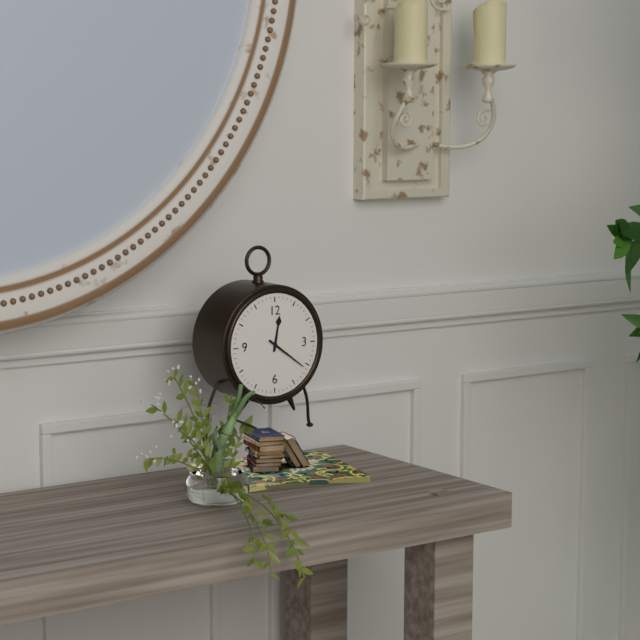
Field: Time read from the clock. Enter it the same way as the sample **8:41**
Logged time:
**12:21**
